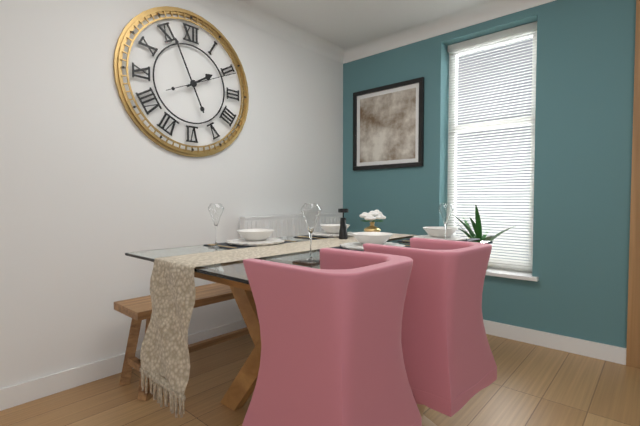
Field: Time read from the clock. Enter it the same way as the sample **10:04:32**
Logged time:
**1:56:11**
